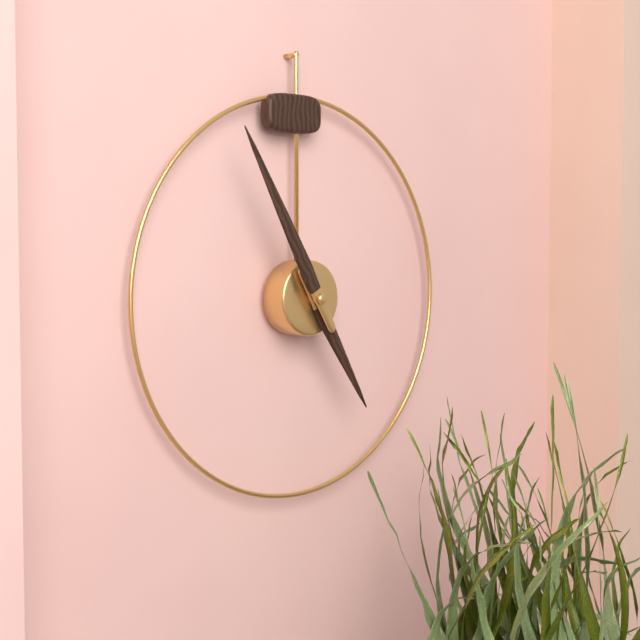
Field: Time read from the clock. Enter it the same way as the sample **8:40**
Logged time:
**4:55**
